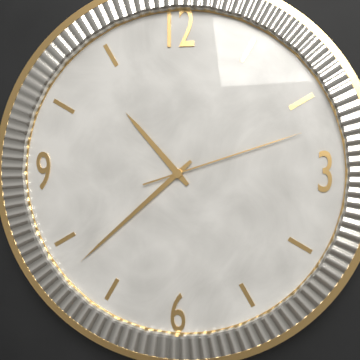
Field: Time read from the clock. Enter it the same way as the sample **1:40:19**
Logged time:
**10:38:12**
